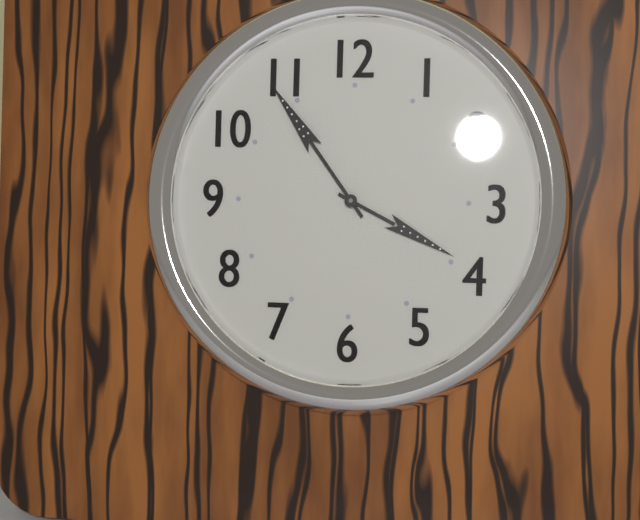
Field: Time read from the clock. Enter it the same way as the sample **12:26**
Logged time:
**3:54**
